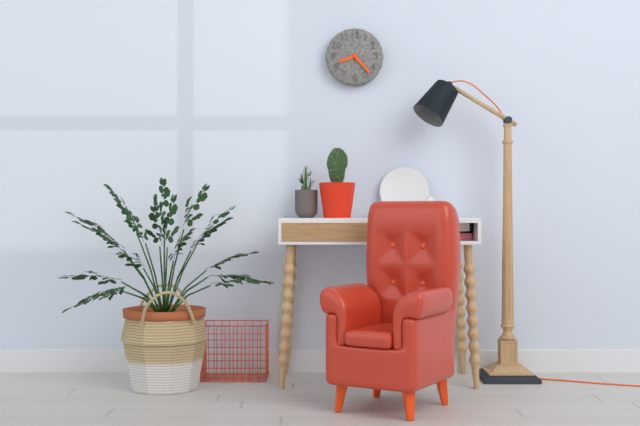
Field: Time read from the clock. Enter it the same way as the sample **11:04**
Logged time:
**8:23**
